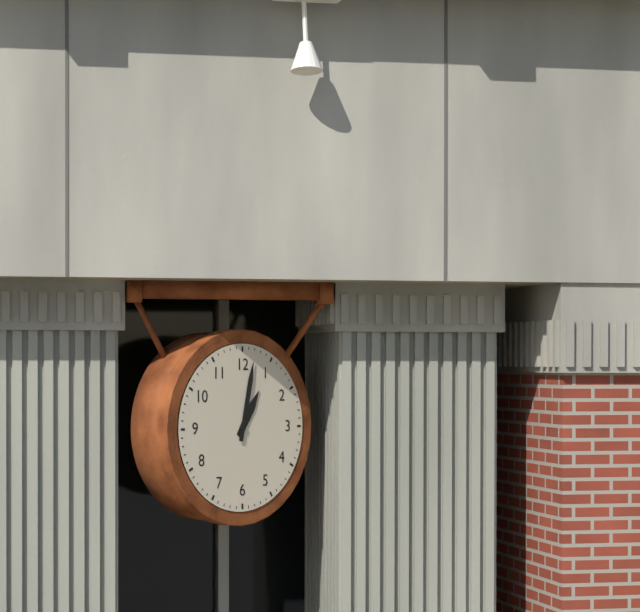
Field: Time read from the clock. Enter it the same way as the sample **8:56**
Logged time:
**1:02**
